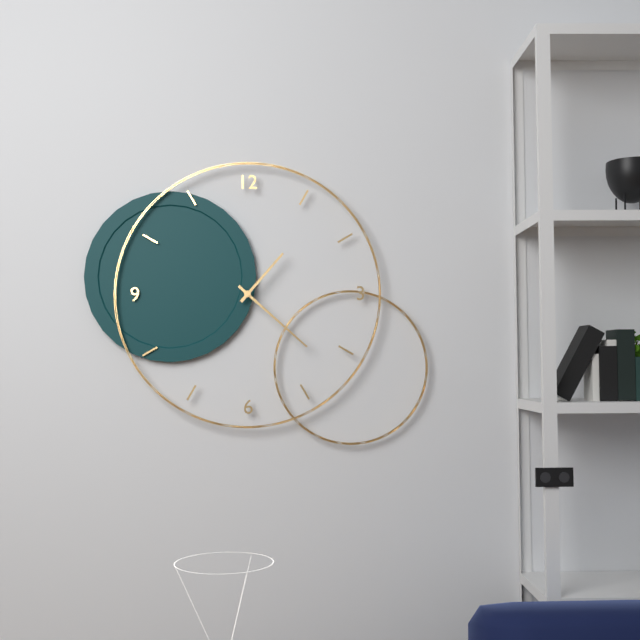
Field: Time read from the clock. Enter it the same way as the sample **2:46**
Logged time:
**1:22**
